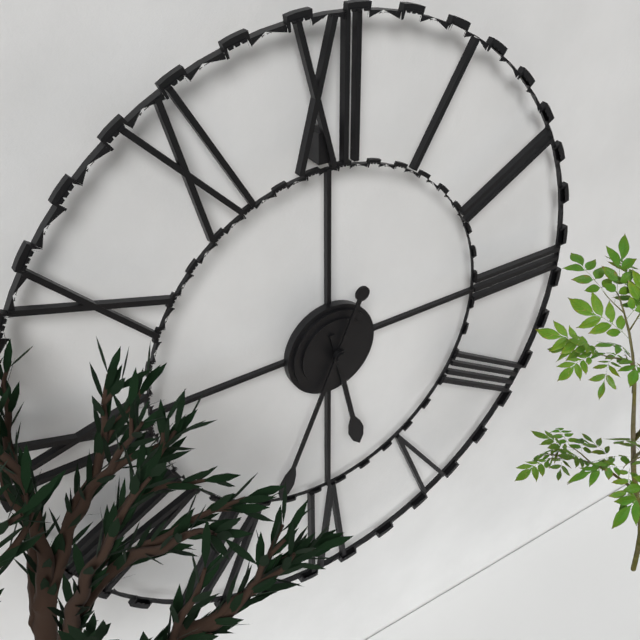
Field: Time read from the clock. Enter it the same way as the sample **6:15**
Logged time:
**5:34**
